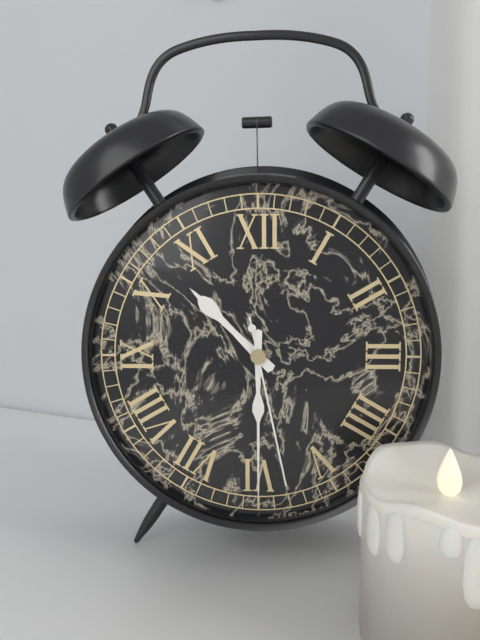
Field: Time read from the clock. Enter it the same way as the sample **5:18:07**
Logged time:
**10:30:28**
